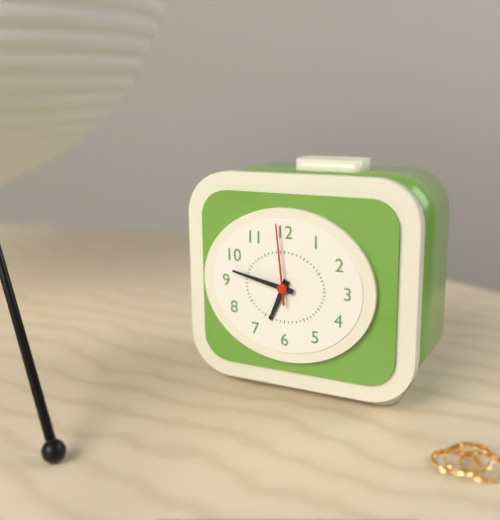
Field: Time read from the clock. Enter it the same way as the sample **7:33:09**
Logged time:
**6:47:59**
